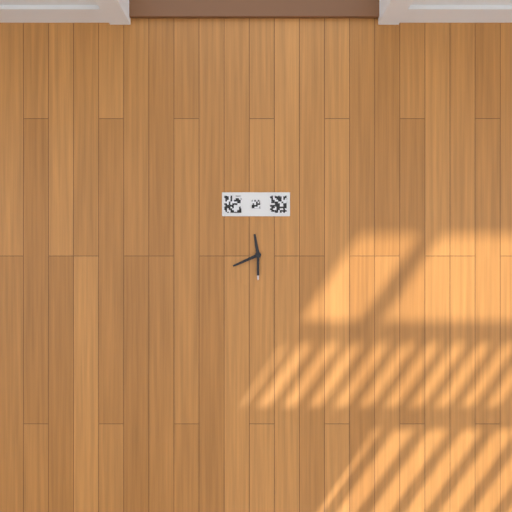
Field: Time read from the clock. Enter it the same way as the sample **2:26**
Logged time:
**11:41**
